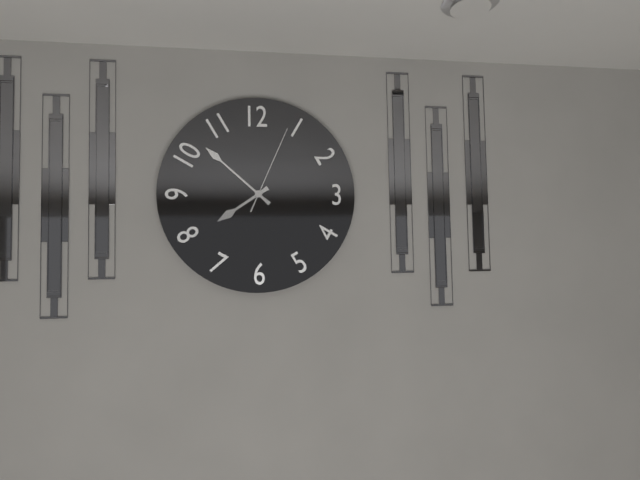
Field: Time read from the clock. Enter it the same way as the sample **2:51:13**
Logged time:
**7:52:04**
